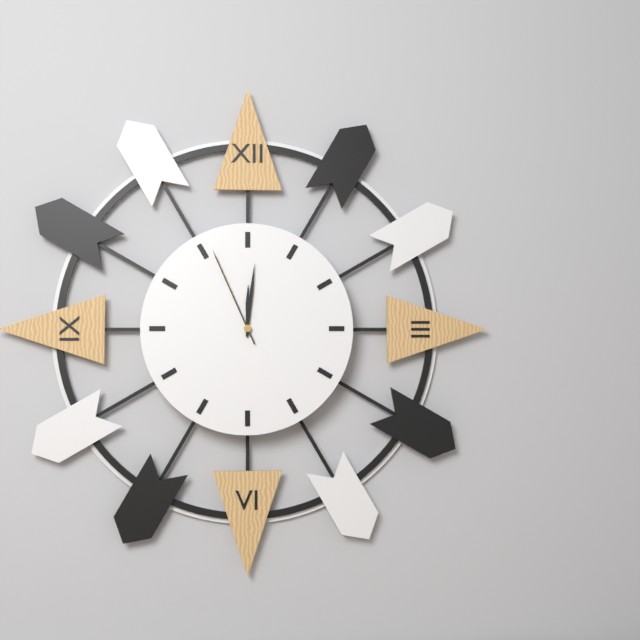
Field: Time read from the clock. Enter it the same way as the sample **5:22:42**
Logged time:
**12:01:56**
